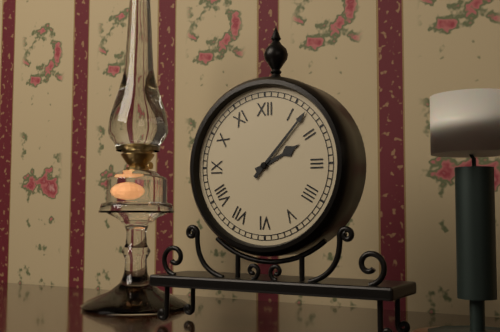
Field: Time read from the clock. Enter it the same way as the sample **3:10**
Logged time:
**2:07**
